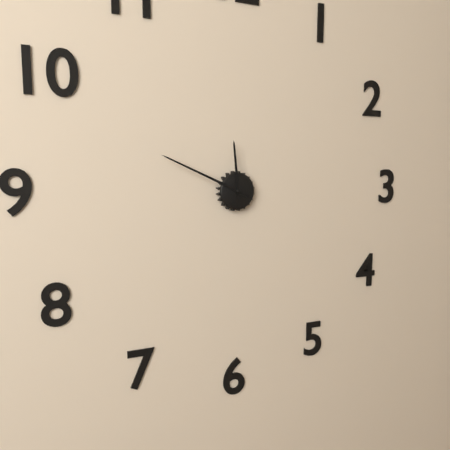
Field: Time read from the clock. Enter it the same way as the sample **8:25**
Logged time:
**11:49**
